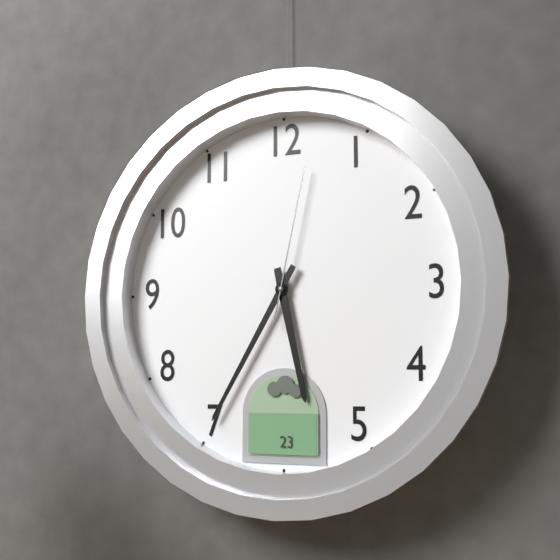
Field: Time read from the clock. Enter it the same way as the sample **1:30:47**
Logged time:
**5:35:02**
